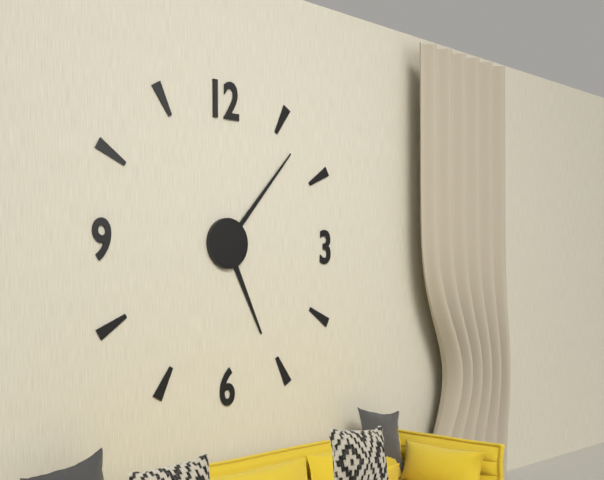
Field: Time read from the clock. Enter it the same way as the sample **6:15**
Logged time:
**5:07**
